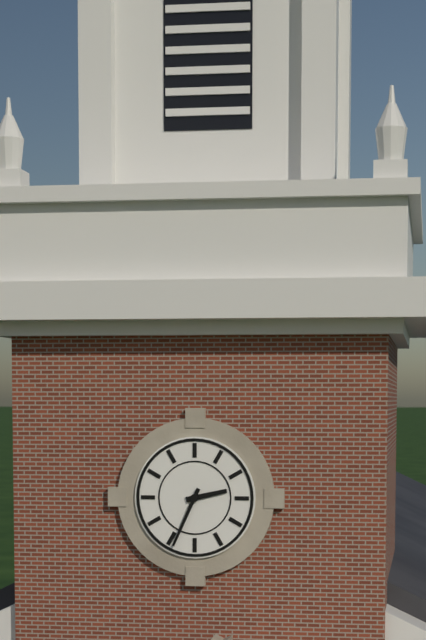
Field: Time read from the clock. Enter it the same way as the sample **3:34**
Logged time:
**2:34**
